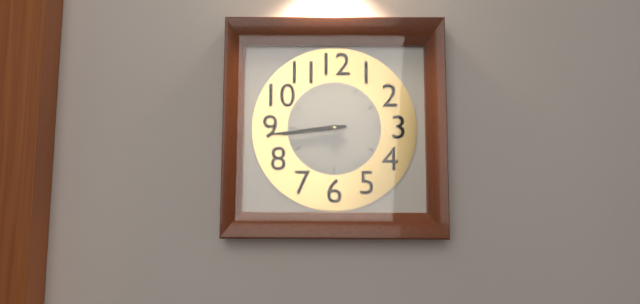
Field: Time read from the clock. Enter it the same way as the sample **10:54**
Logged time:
**8:44**
